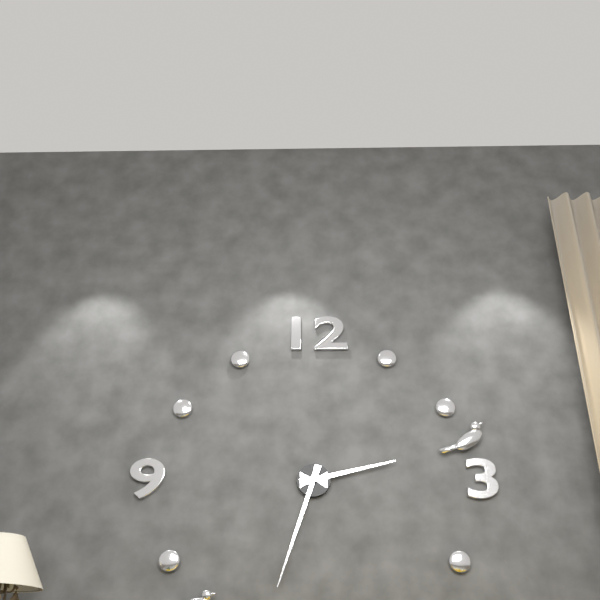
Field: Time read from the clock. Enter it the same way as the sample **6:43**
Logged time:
**2:33**
